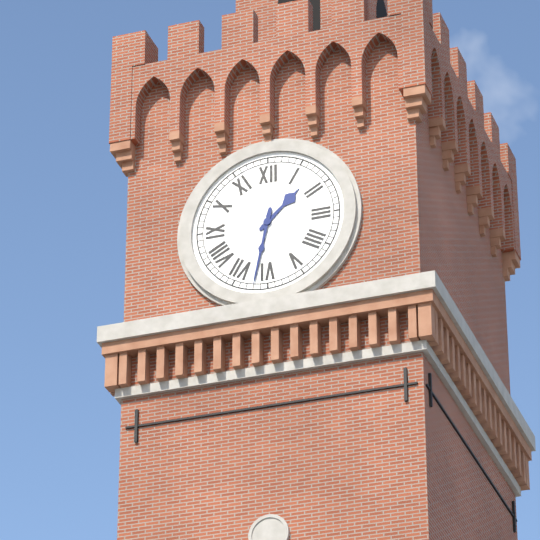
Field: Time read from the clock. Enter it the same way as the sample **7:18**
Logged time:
**1:32**
